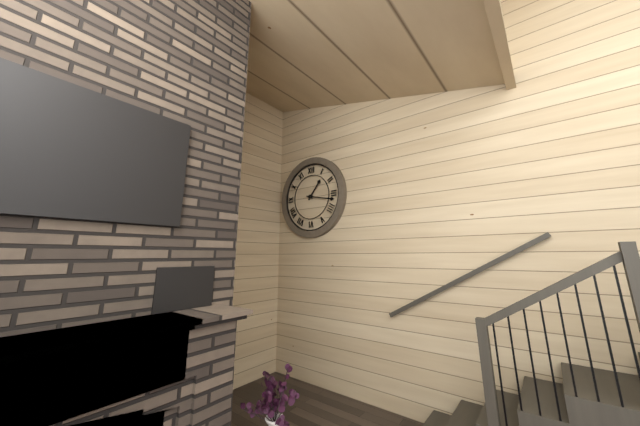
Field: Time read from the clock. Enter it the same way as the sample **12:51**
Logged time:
**1:17**
